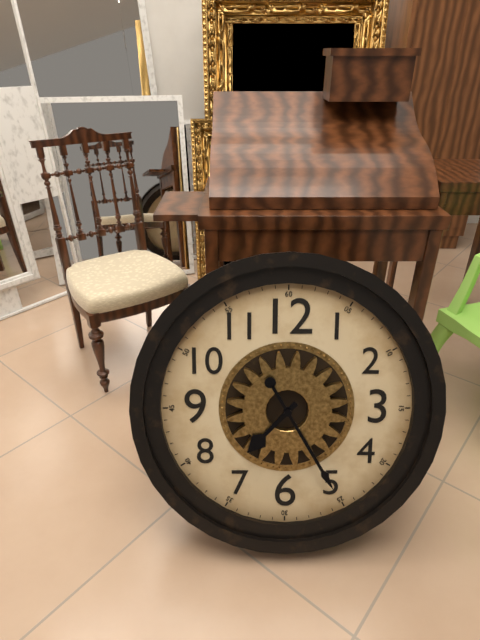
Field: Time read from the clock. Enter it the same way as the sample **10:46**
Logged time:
**7:25**
